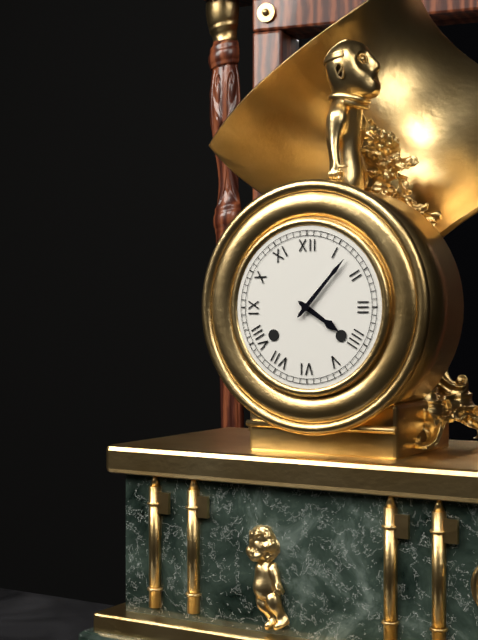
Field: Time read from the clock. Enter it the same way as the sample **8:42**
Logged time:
**4:07**
